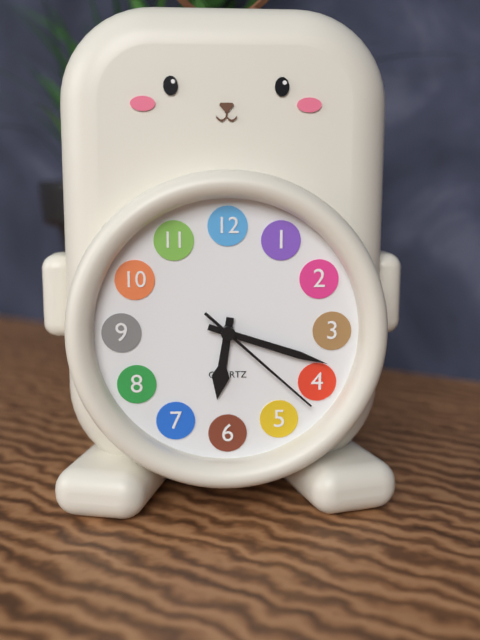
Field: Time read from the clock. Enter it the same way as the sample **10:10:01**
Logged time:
**6:18:22**
